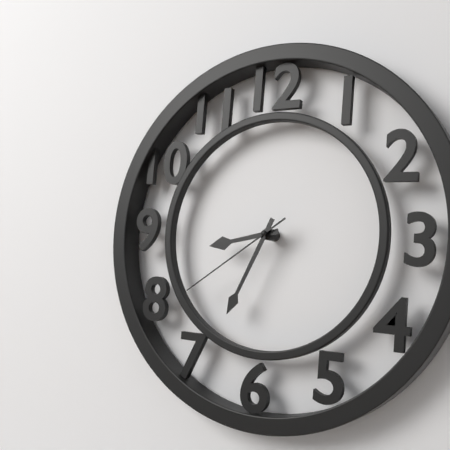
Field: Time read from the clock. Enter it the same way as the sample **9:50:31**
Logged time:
**8:34:39**
